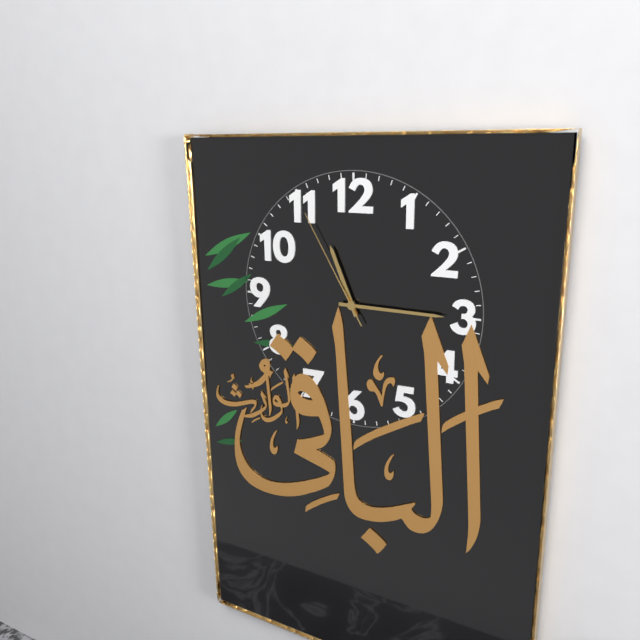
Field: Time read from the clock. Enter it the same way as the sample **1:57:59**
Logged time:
**11:15:55**
